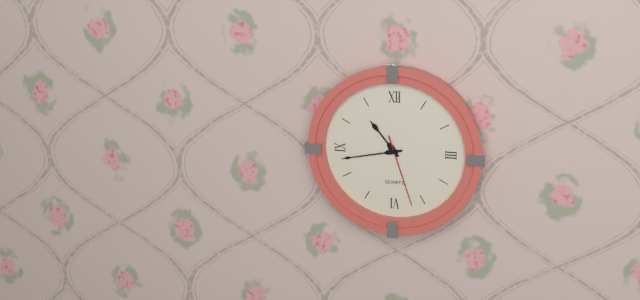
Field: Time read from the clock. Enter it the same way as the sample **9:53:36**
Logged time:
**10:43:27**
